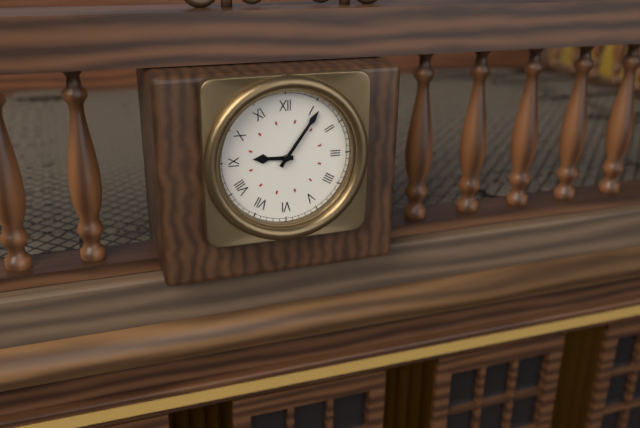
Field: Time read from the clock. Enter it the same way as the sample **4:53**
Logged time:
**9:06**
